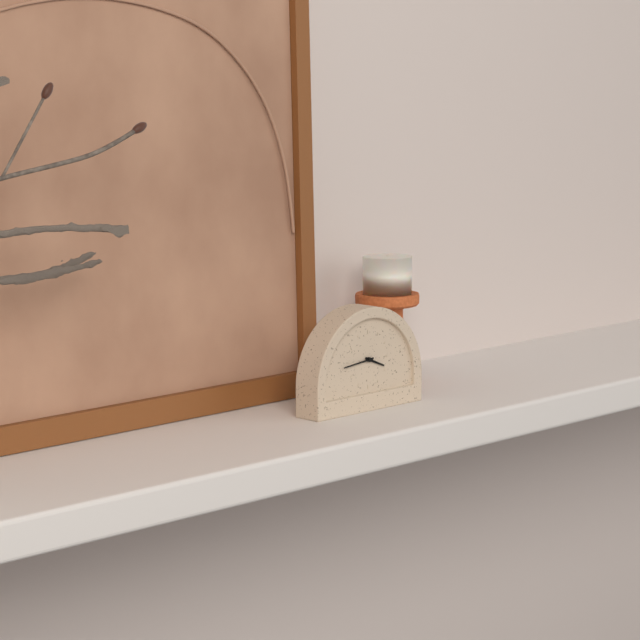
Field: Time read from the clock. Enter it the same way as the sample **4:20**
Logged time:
**3:44**
